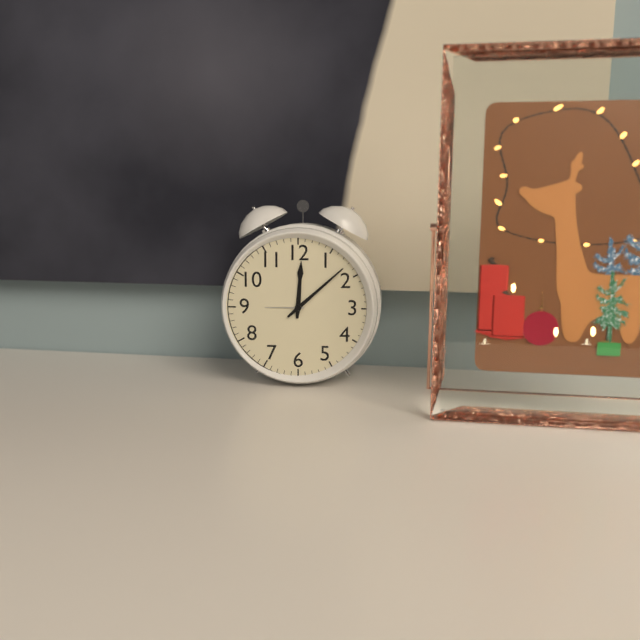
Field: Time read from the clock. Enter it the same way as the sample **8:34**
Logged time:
**12:08**
